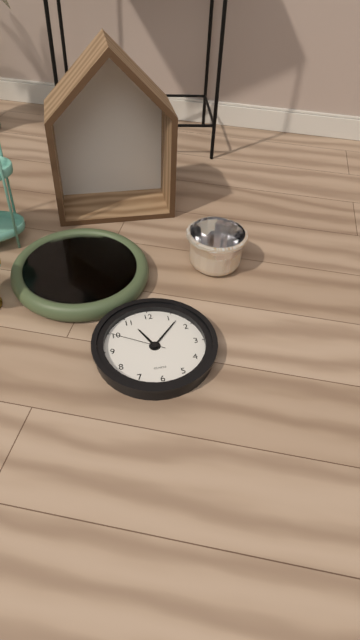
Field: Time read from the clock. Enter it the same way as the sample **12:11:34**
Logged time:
**11:07:50**
